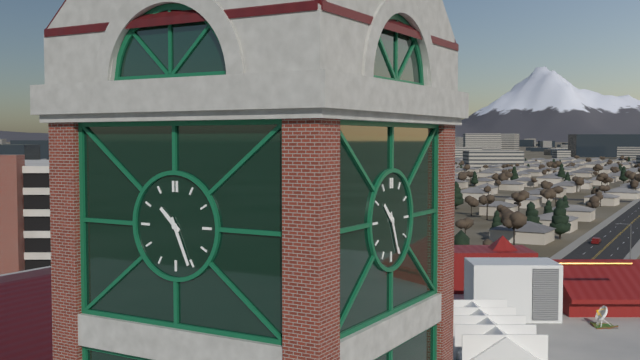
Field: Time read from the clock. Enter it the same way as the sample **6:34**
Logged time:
**10:26**
